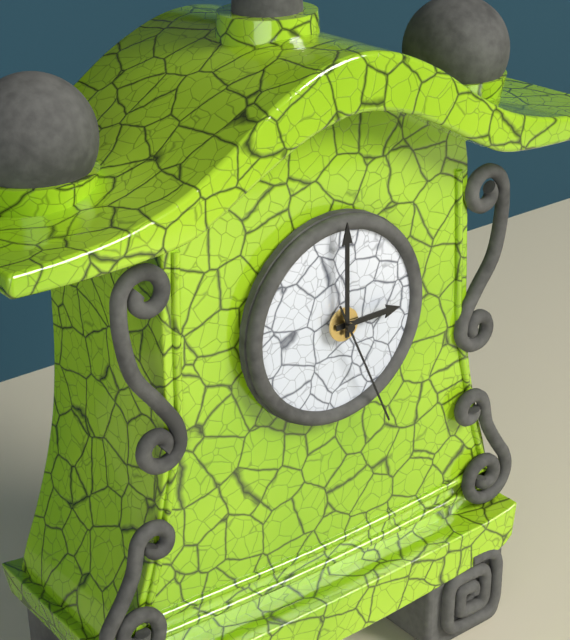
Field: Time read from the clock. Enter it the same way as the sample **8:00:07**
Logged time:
**3:00:26**
